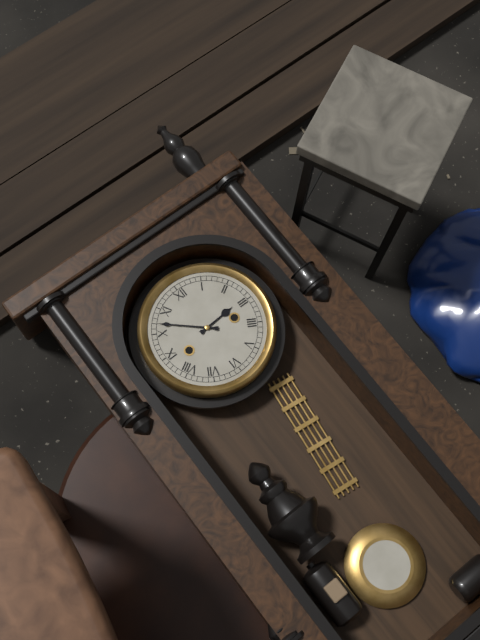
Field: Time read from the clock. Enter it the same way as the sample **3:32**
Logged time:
**2:52**
